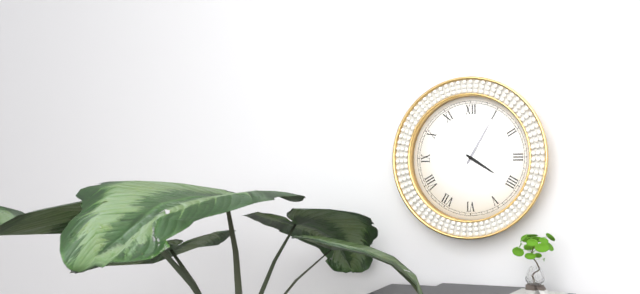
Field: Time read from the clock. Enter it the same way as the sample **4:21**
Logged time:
**4:05**
